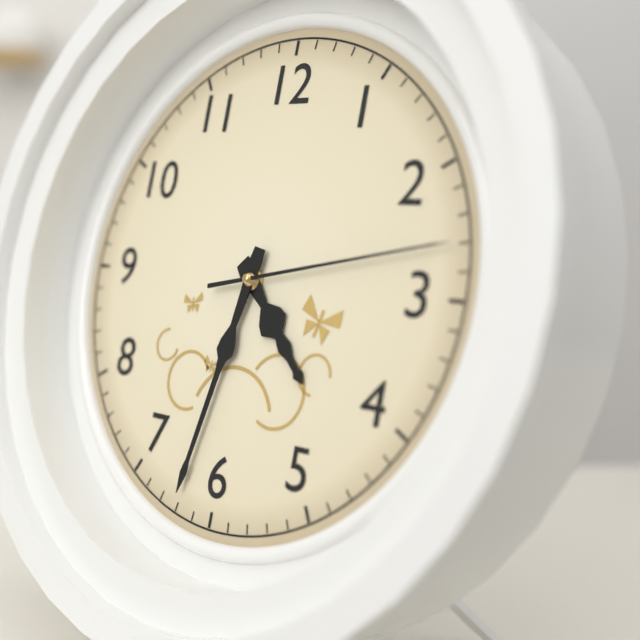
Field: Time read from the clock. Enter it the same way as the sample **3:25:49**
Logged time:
**4:32:13**
